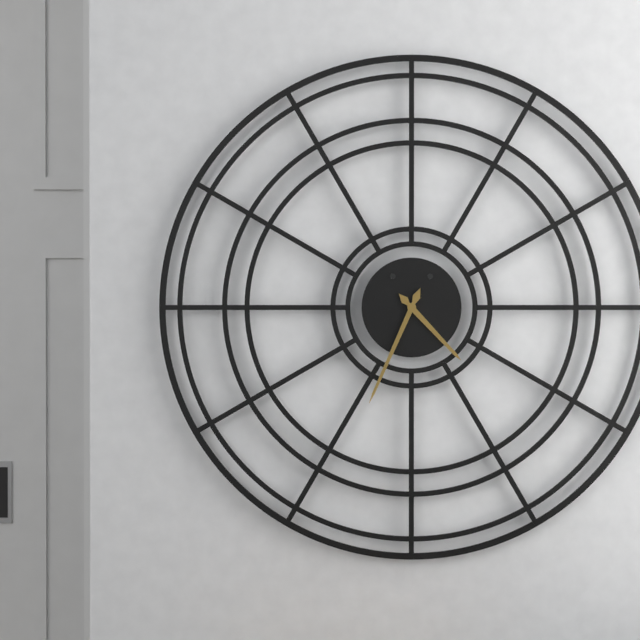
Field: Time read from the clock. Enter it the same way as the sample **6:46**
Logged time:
**4:34**
